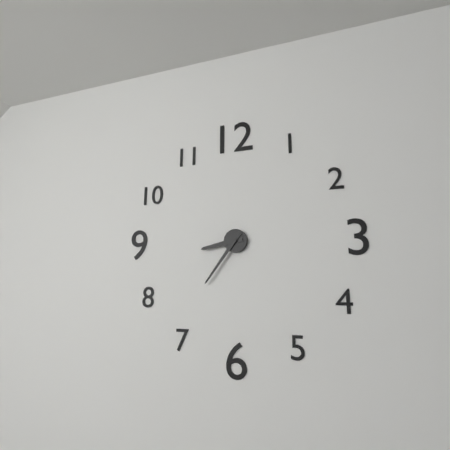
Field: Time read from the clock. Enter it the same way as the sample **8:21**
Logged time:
**8:36**
